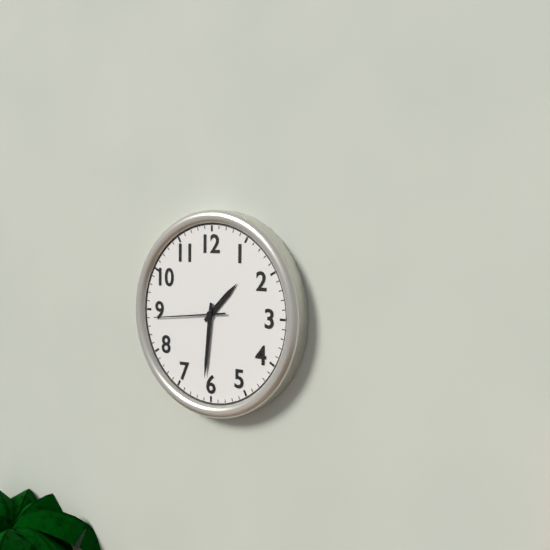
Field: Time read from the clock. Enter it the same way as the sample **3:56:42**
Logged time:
**1:31:44**
